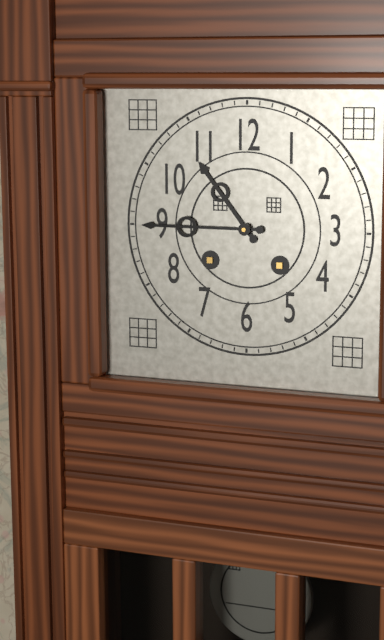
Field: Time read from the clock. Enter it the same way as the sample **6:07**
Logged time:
**10:45**
